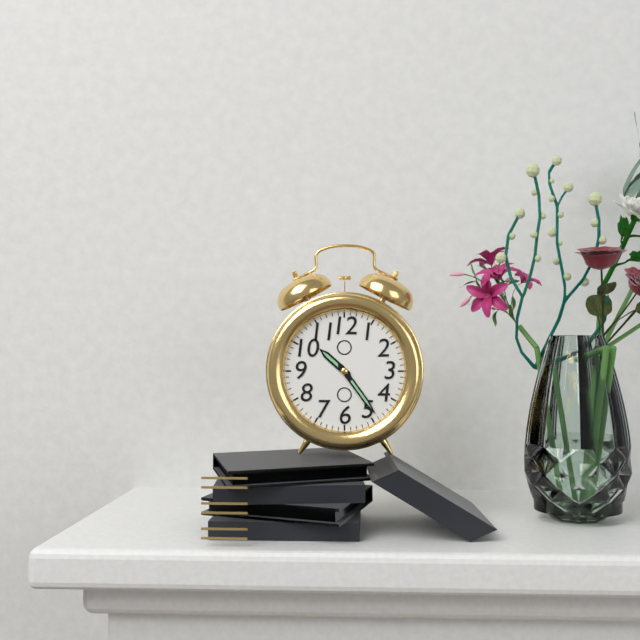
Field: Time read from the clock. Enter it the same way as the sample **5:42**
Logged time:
**10:24**
